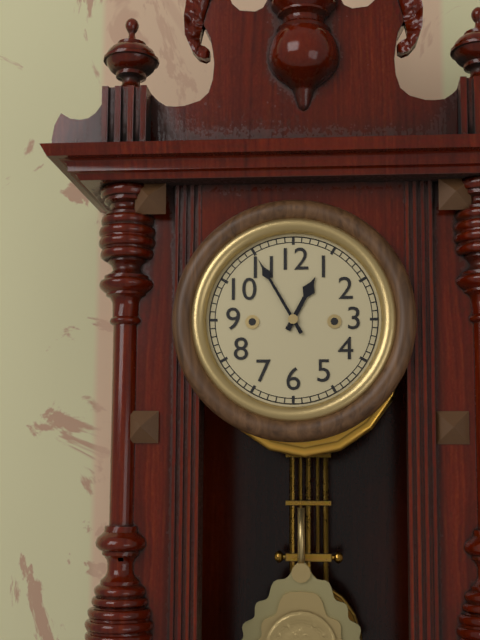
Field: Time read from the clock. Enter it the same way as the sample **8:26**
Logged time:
**12:55**
